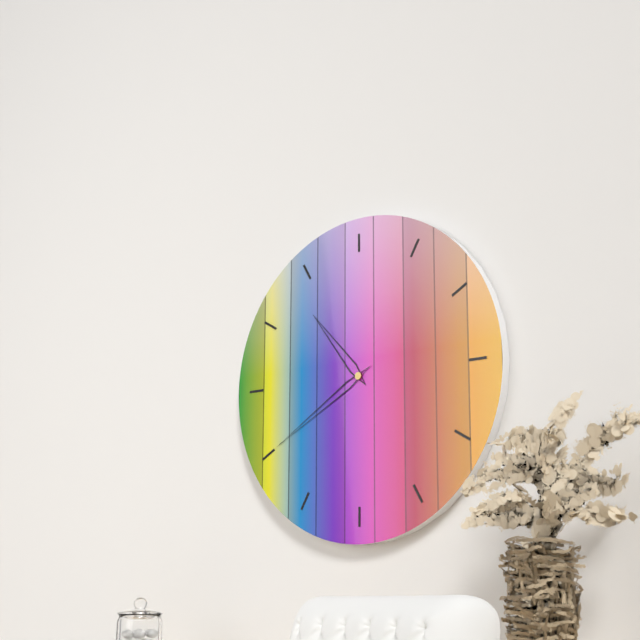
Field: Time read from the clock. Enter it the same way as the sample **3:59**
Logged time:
**10:40**
